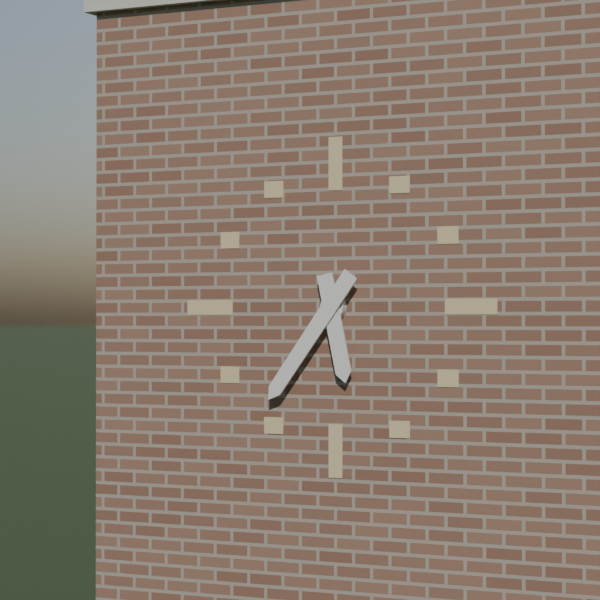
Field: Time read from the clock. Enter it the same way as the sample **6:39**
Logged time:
**5:36**
